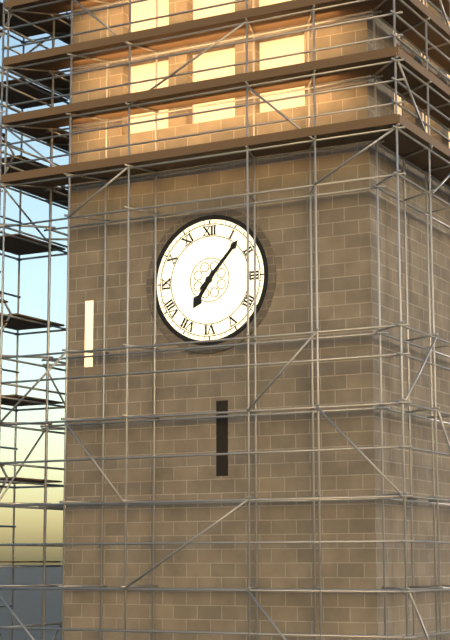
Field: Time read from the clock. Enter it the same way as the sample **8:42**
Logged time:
**7:07**
